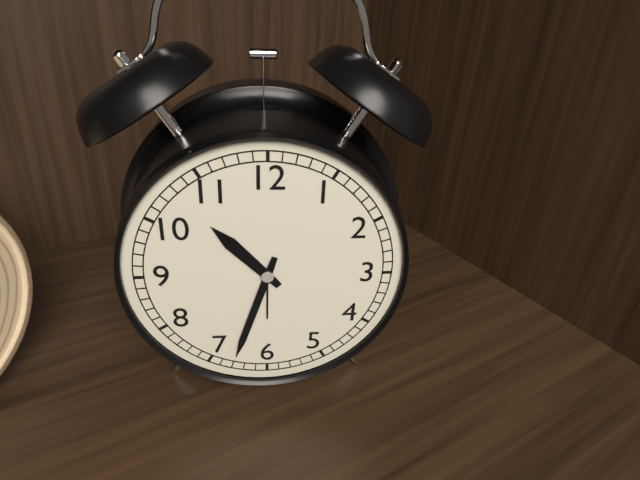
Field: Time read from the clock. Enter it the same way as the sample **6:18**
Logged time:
**10:33**
